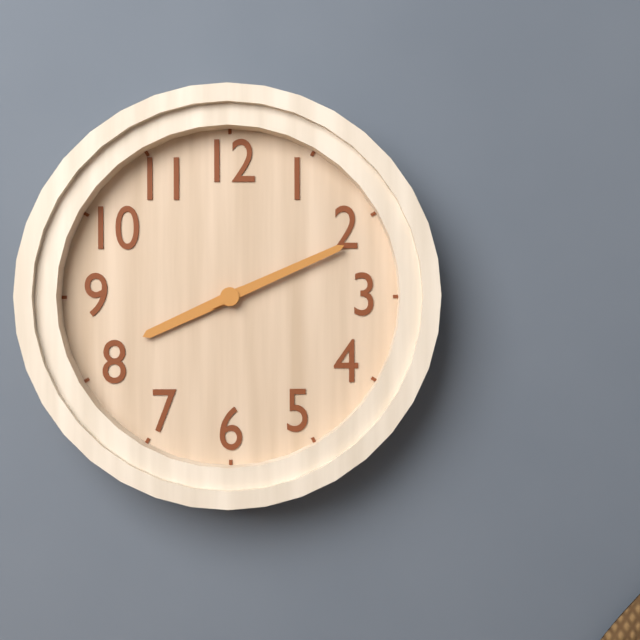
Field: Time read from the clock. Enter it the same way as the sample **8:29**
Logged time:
**8:11**
